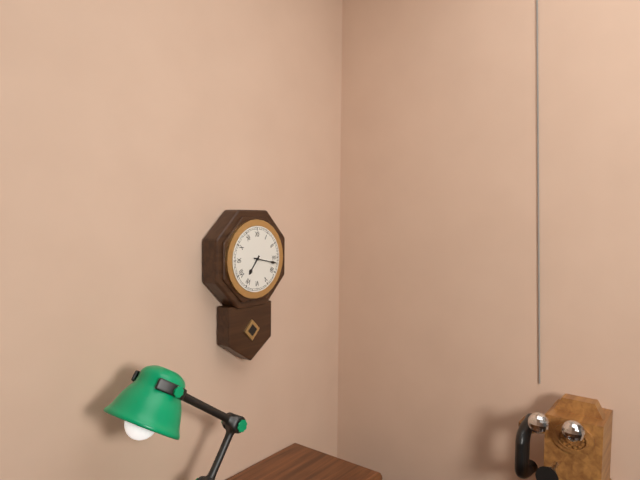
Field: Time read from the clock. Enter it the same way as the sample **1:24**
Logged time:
**7:17**
